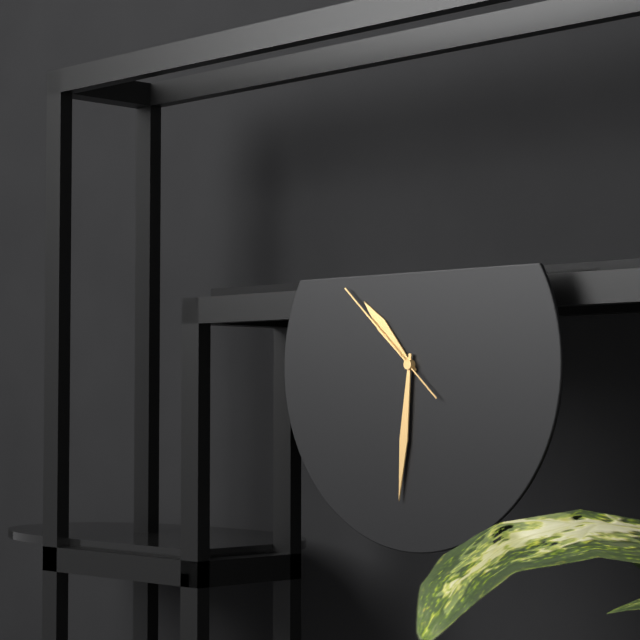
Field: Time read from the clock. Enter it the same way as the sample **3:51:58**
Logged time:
**10:31:52**
